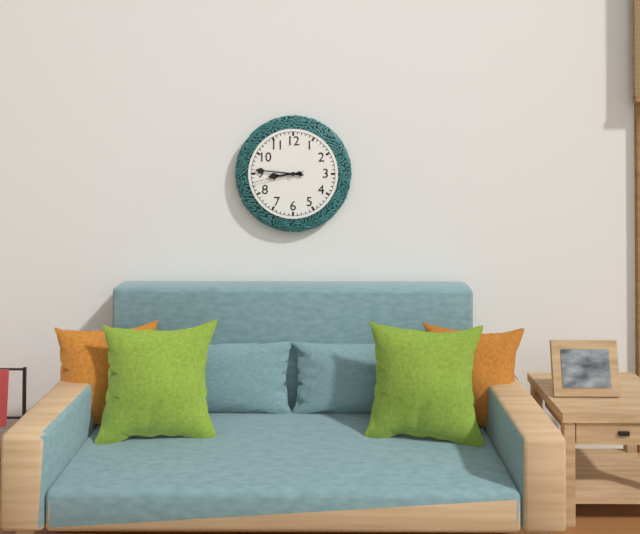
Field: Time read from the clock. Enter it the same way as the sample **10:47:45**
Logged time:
**8:46:43**
